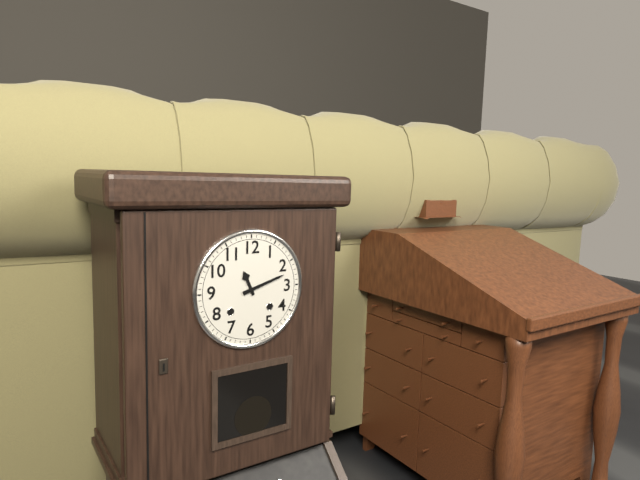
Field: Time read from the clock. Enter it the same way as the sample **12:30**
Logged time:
**11:12**
